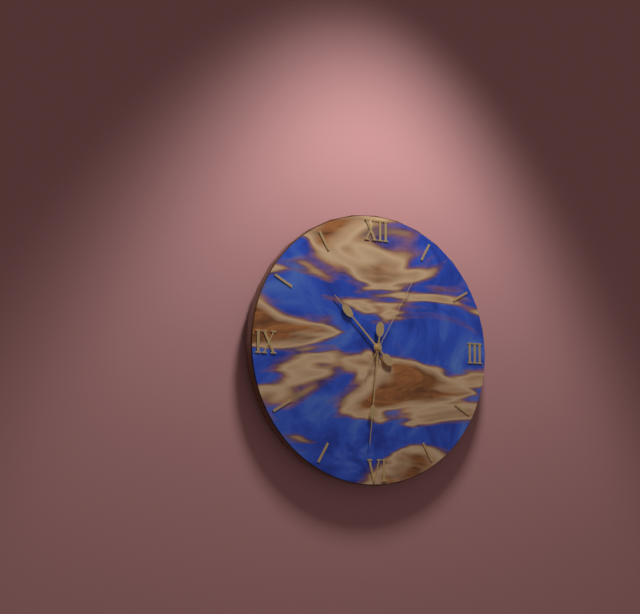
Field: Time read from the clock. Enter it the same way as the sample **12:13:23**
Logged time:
**10:31:05**
